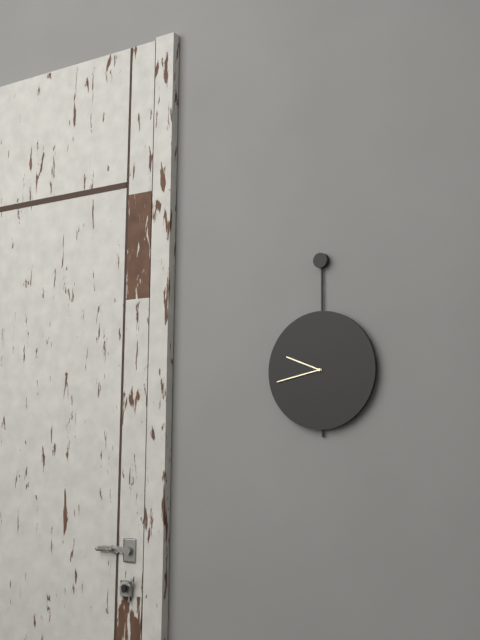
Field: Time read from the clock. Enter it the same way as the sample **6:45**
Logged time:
**9:43**
